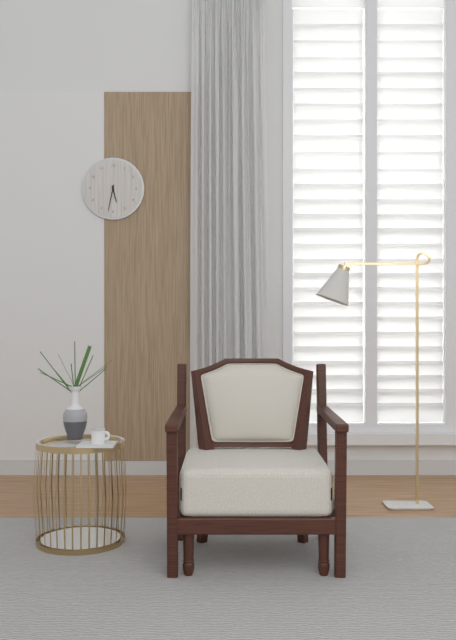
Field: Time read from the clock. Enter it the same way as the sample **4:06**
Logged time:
**5:32**
